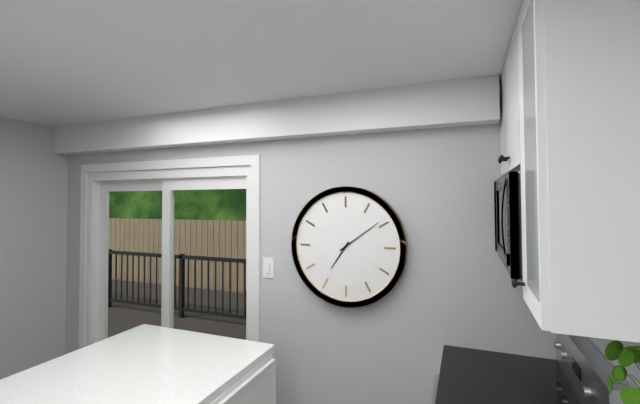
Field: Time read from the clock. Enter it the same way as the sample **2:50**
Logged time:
**7:09**
